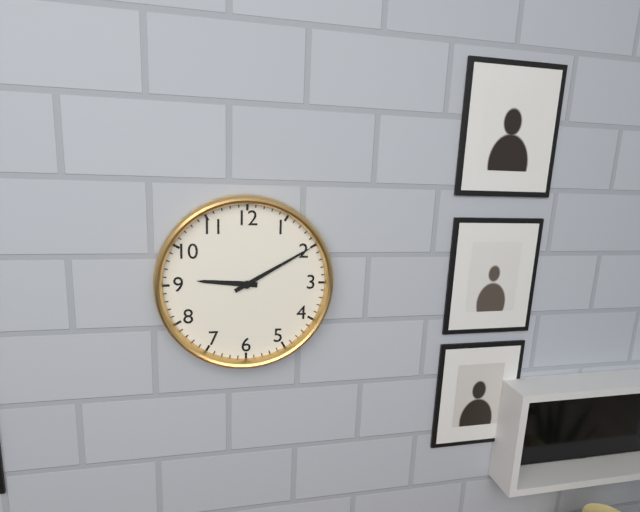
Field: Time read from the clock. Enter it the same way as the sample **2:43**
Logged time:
**9:10**
